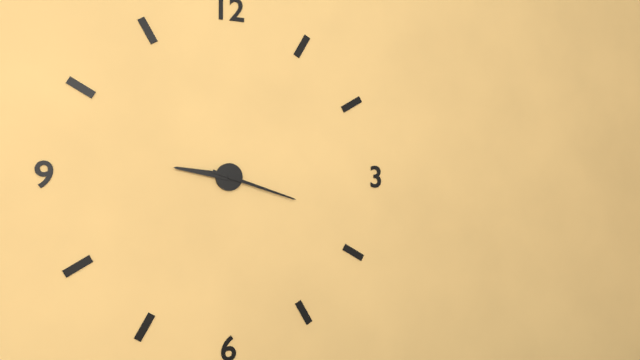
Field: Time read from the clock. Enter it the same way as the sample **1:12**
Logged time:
**9:18**
